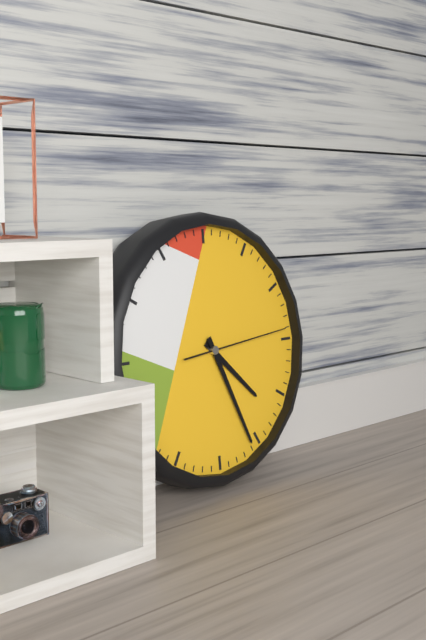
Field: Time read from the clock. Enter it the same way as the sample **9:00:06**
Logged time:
**4:26:14**
